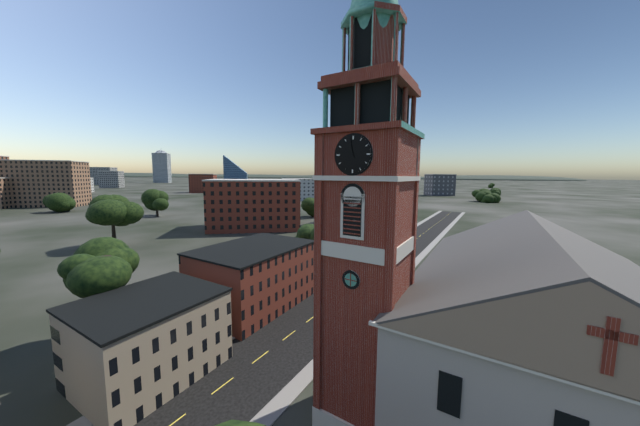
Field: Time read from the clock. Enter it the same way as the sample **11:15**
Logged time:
**9:58**
